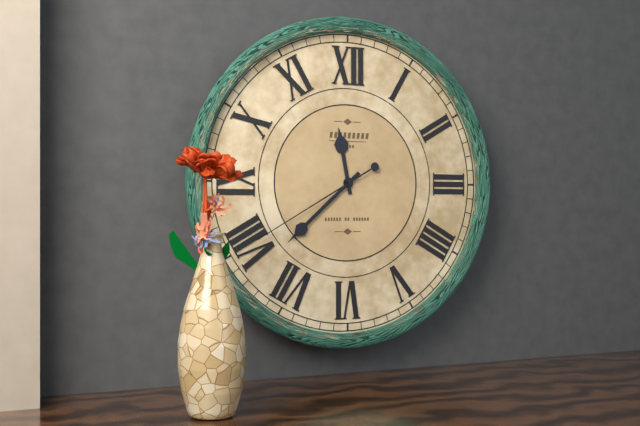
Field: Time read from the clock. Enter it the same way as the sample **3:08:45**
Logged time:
**11:38:40**
